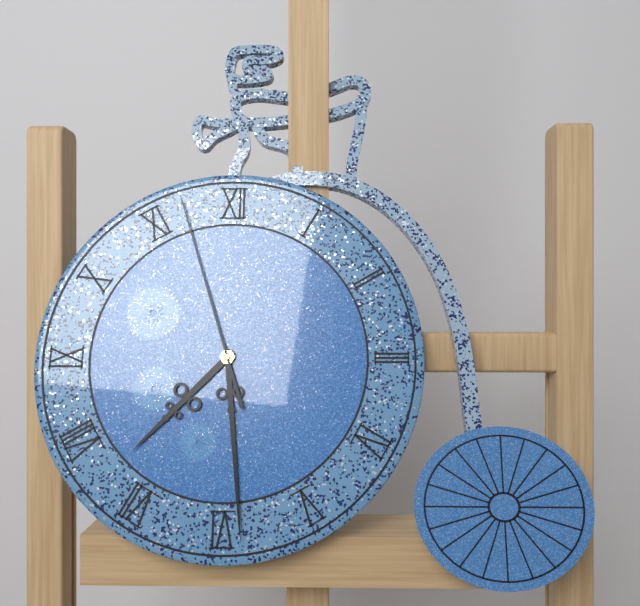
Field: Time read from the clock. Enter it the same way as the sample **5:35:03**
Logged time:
**7:29:57**
